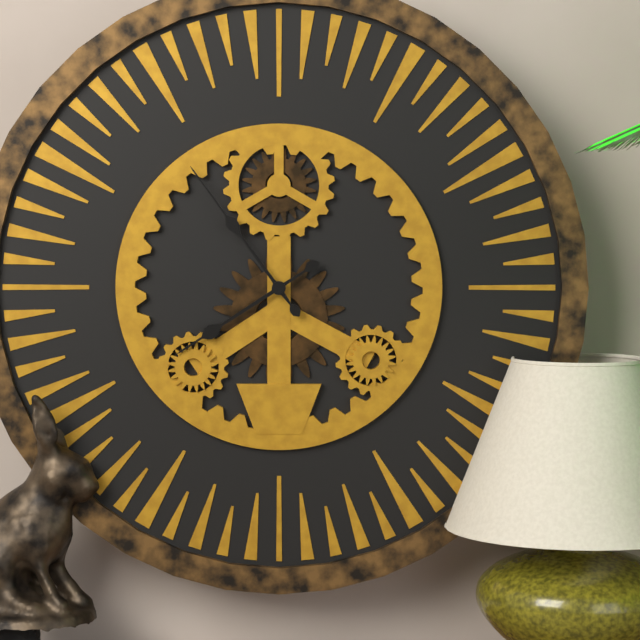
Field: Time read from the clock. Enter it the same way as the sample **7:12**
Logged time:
**7:54**
